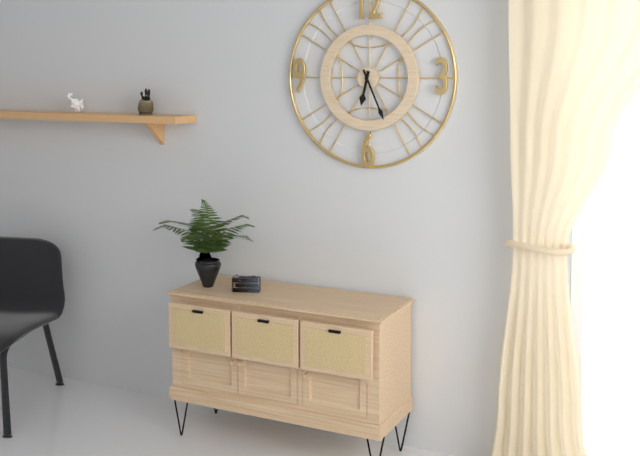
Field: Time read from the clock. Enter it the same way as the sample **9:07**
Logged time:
**6:26**
